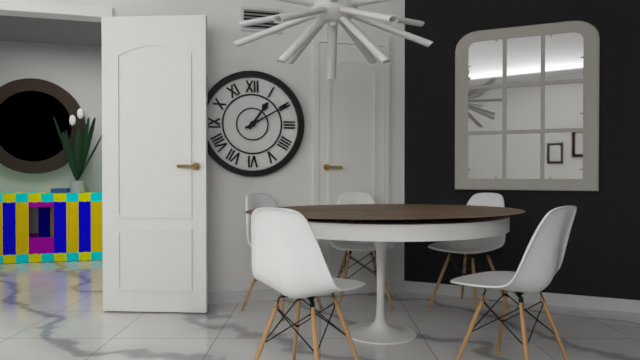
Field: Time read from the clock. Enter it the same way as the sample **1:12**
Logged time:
**1:10**
